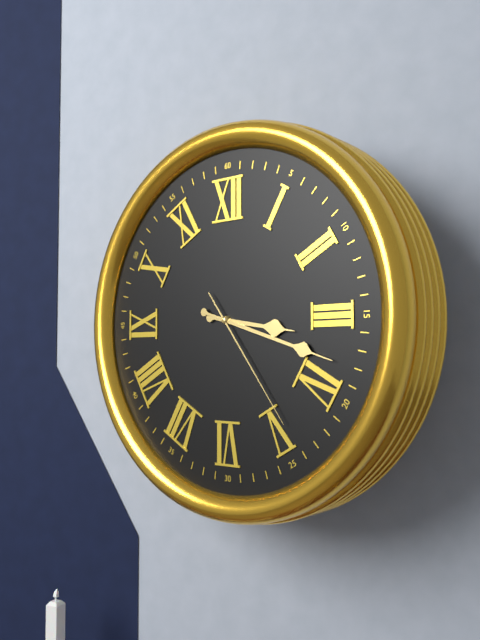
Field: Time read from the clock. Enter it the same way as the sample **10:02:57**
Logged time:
**3:18:24**
